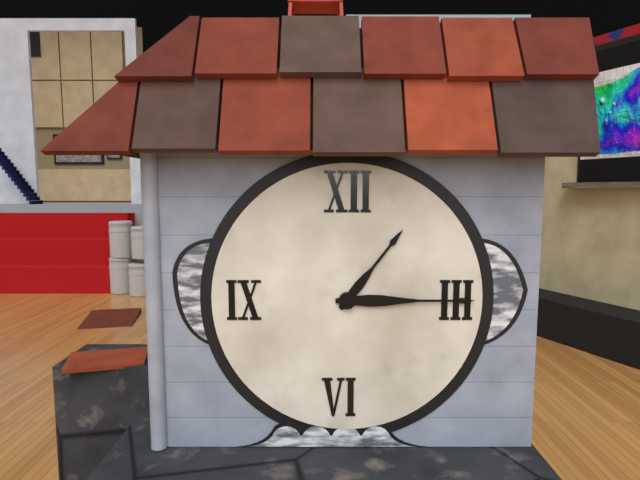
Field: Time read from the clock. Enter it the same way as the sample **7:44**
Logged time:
**1:15**
